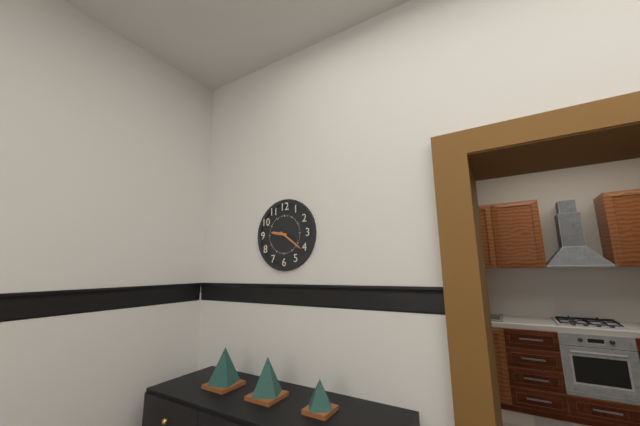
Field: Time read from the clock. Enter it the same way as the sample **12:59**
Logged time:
**9:21**
